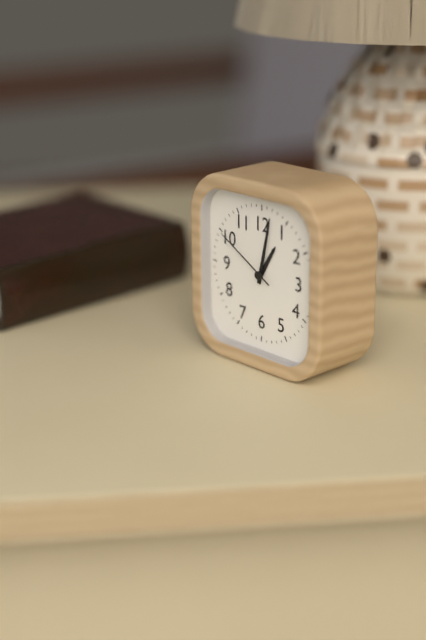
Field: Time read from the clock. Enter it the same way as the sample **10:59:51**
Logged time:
**1:02:50**
